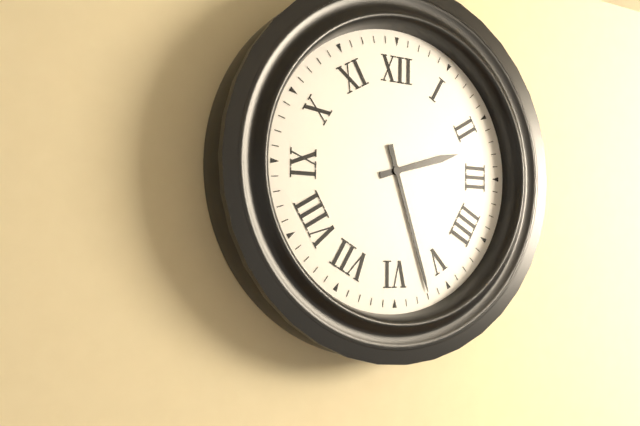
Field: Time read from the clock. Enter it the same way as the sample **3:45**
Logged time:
**2:27**
